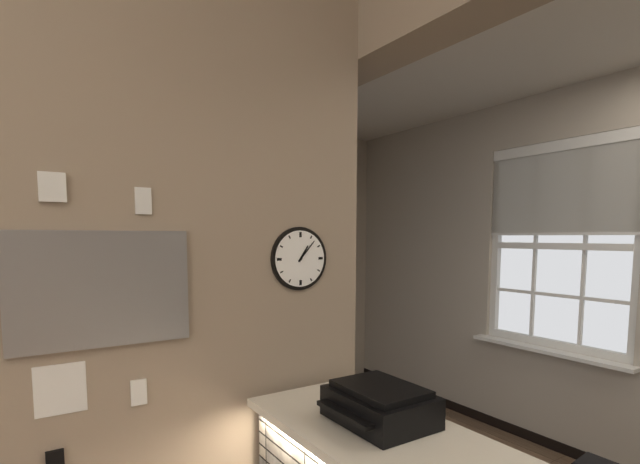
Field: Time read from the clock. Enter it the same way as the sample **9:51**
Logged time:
**1:07**
